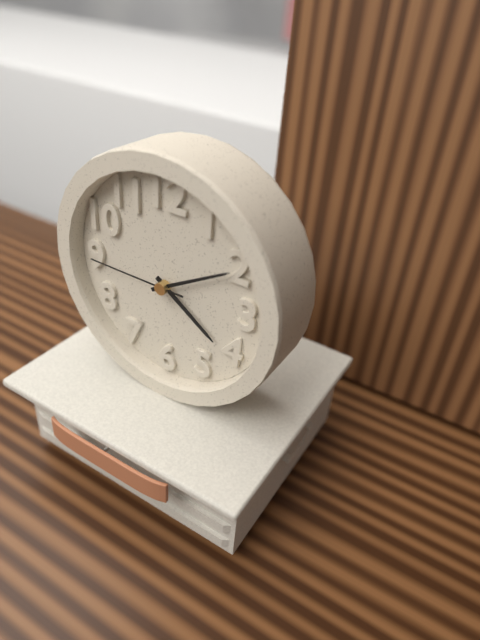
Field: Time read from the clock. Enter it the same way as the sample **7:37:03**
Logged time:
**4:10:45**
